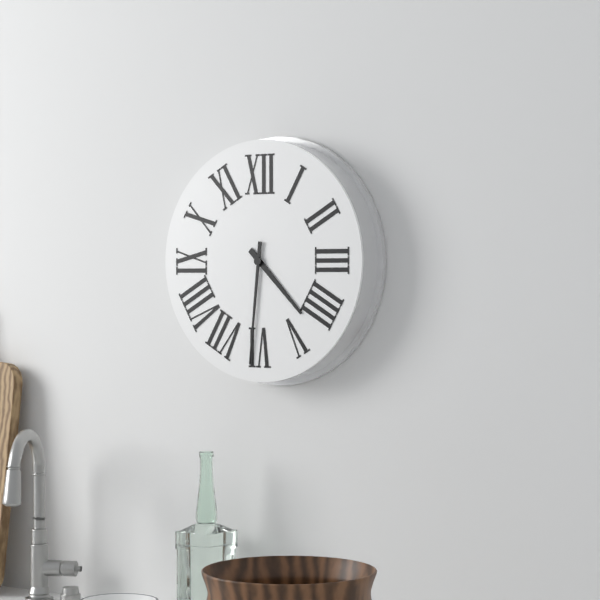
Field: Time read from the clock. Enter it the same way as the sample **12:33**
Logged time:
**4:31**
